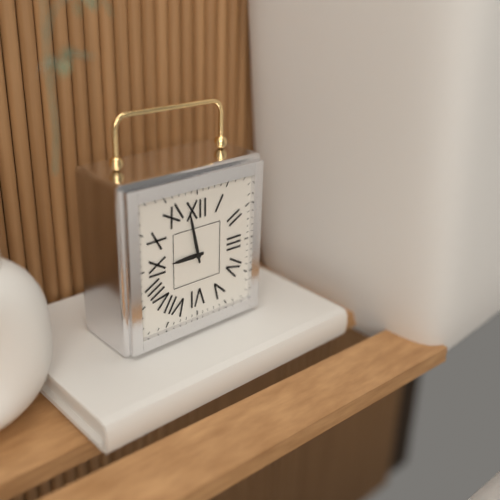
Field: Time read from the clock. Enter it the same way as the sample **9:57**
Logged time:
**8:58**
